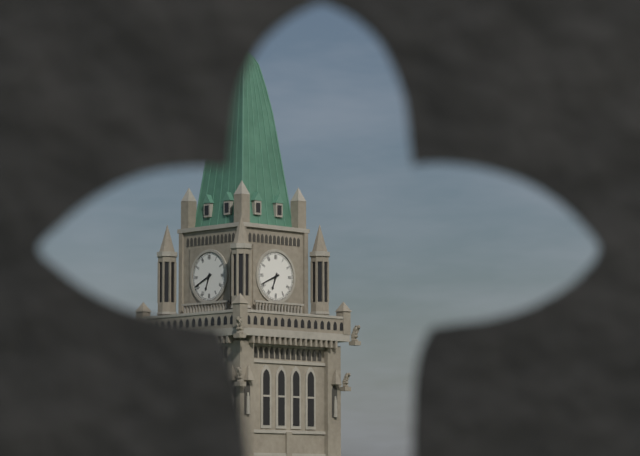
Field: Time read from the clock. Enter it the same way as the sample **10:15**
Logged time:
**6:41**
